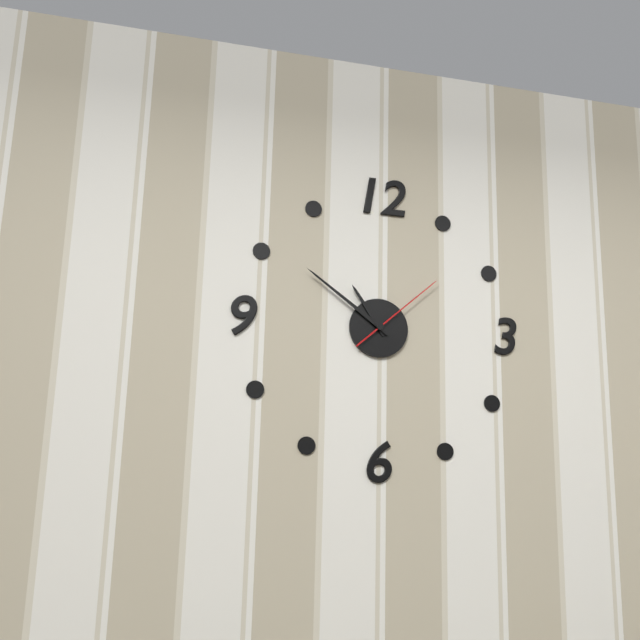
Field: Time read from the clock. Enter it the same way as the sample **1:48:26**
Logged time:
**10:51:08**
